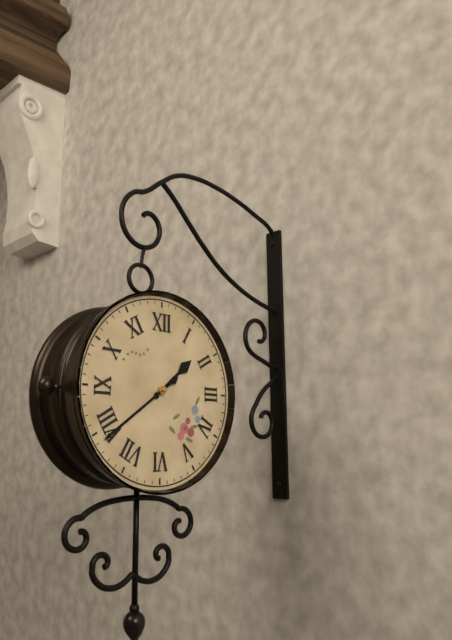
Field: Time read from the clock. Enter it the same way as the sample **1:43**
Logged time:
**1:39**
